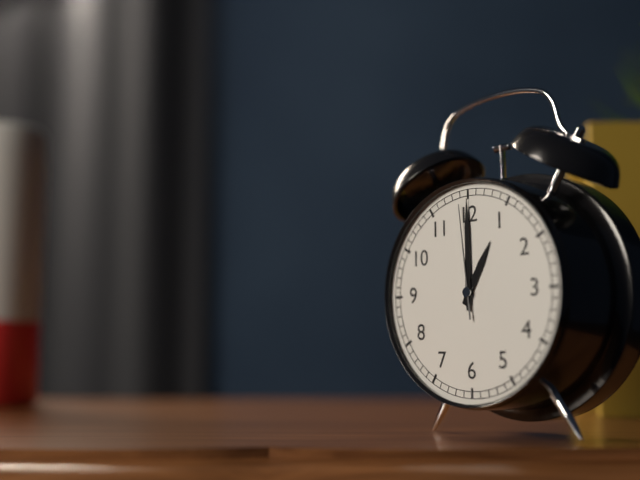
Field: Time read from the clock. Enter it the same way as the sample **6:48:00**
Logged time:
**1:00:59**
